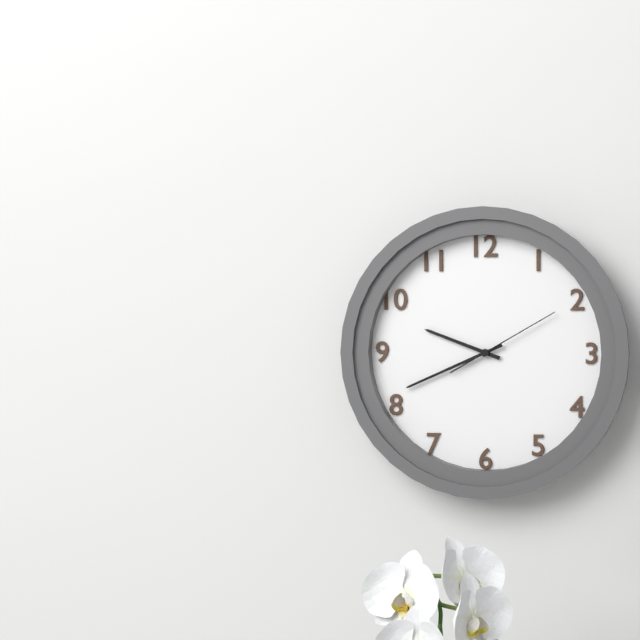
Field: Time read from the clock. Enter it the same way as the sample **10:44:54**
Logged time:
**9:41:10**
